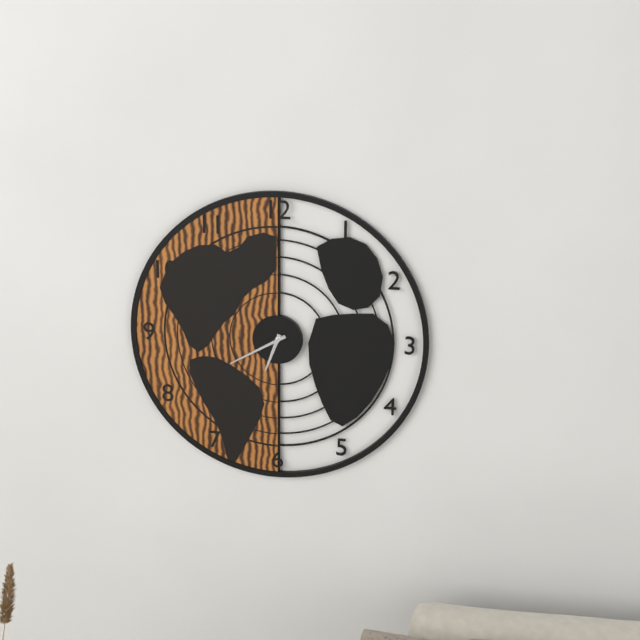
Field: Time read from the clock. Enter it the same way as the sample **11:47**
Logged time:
**6:40**
